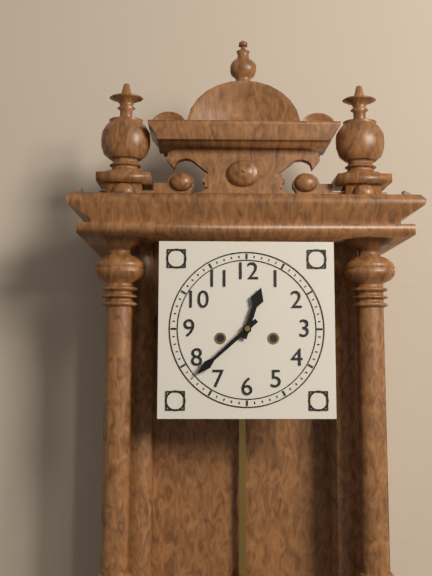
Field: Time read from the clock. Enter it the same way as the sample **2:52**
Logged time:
**12:38**
